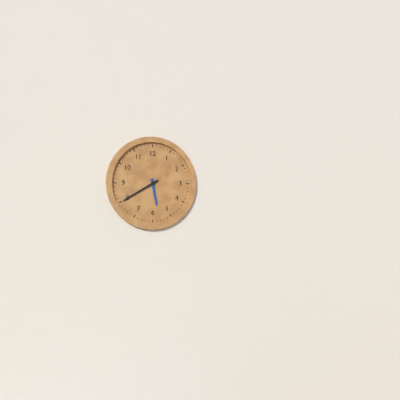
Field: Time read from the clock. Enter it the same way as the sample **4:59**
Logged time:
**5:40**
